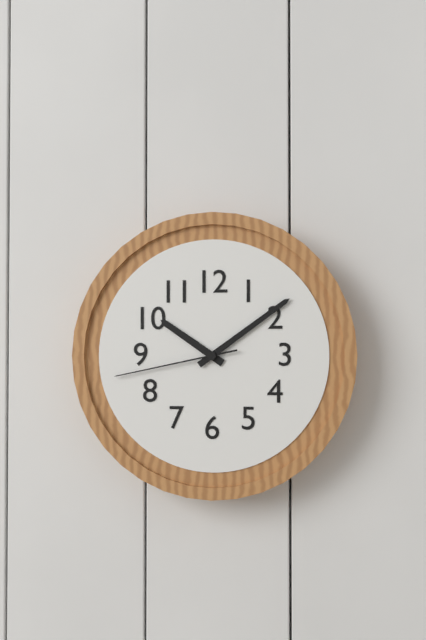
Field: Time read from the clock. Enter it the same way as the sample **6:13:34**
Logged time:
**10:09:43**
